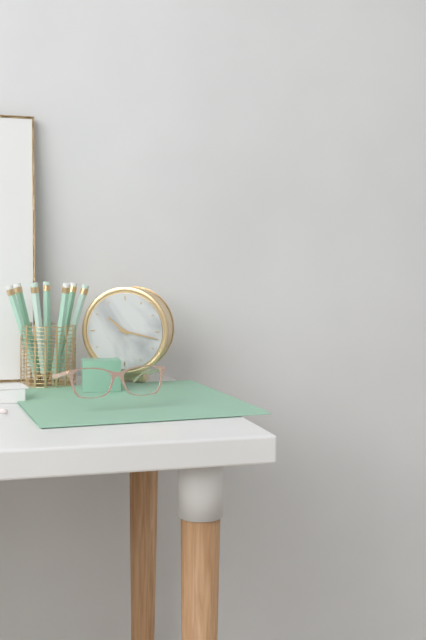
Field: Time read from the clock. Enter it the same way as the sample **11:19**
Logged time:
**10:17**
